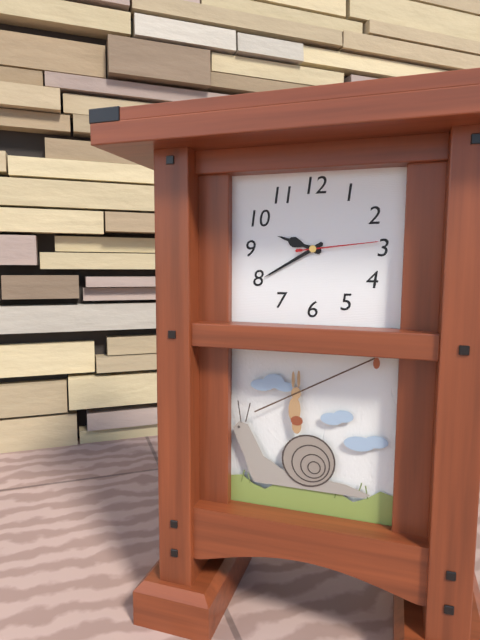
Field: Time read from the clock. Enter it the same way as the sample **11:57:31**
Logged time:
**9:40:14**
